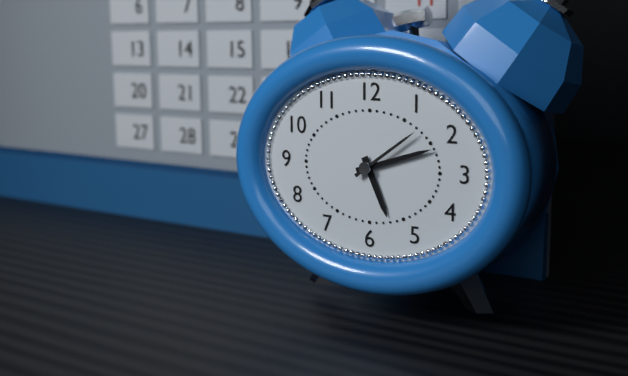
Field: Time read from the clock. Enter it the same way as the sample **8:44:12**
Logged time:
**5:12:09**
